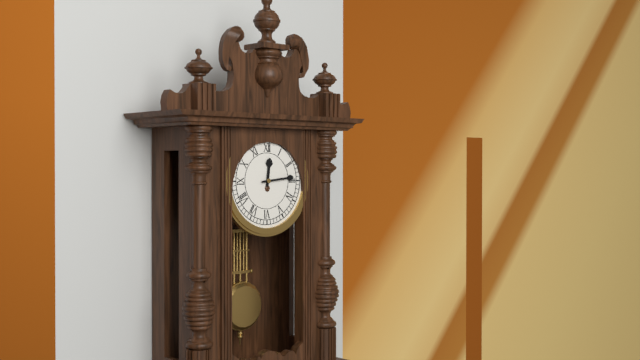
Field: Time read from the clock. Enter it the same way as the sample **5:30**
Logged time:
**12:14**
